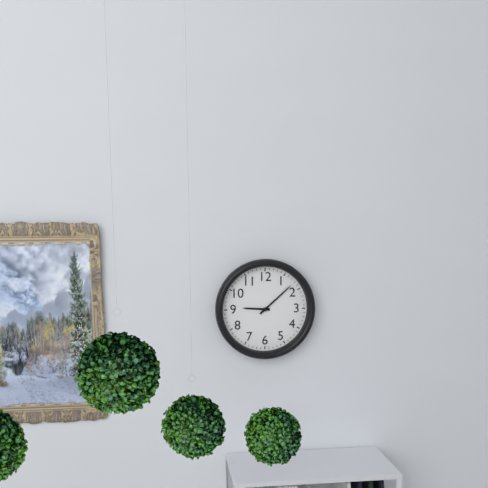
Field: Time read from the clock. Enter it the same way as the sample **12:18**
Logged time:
**9:08**
